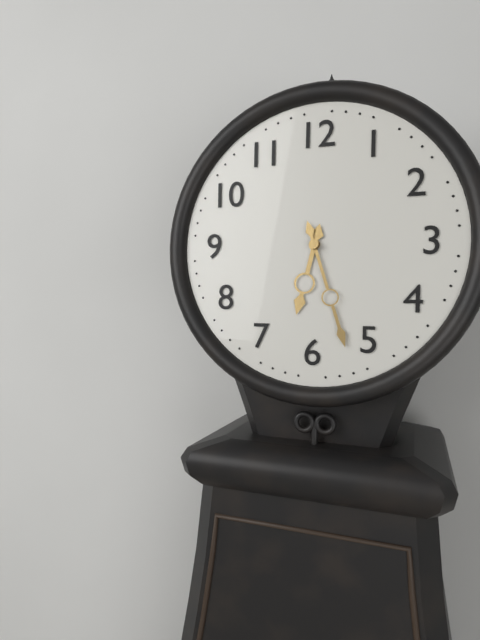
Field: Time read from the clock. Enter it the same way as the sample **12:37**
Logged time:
**6:27**
